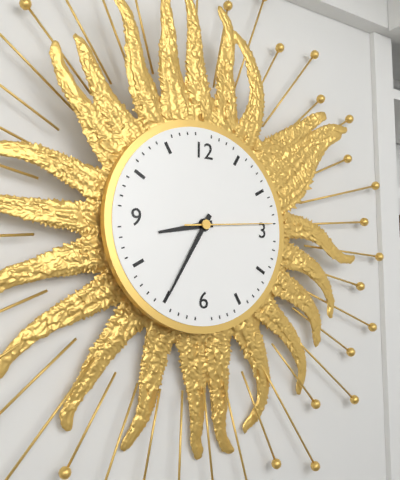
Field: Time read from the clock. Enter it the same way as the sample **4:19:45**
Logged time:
**8:35:14**
